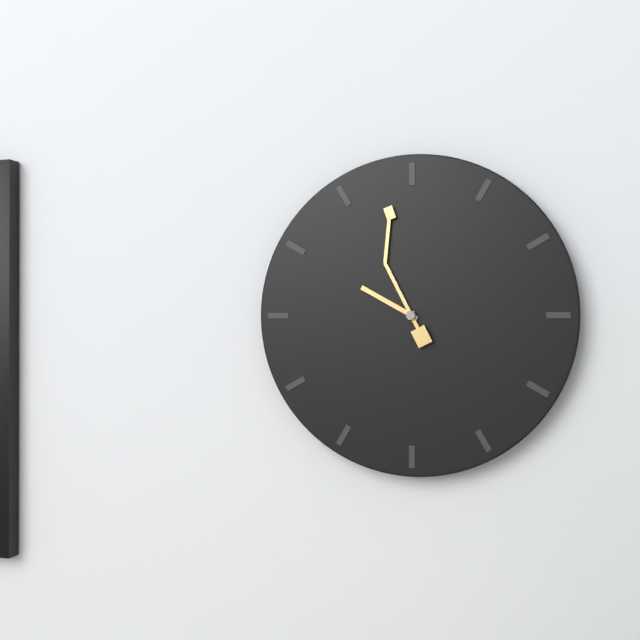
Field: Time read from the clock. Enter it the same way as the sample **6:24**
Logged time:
**9:58**
